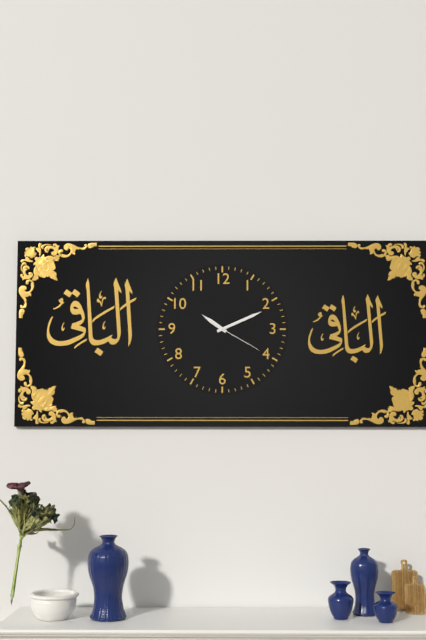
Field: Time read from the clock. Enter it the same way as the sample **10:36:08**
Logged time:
**10:11:20**
